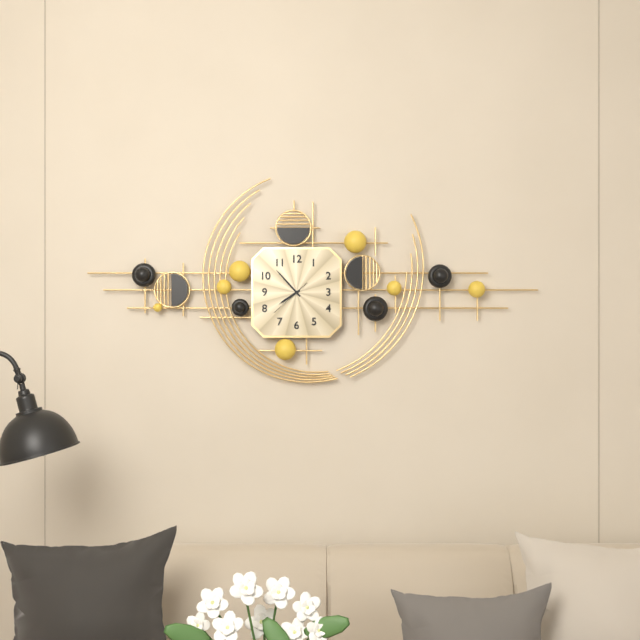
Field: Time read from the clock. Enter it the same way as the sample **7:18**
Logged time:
**7:53**
